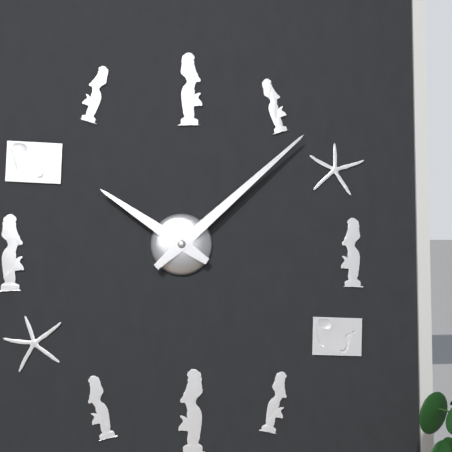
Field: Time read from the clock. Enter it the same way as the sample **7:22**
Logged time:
**10:08**
